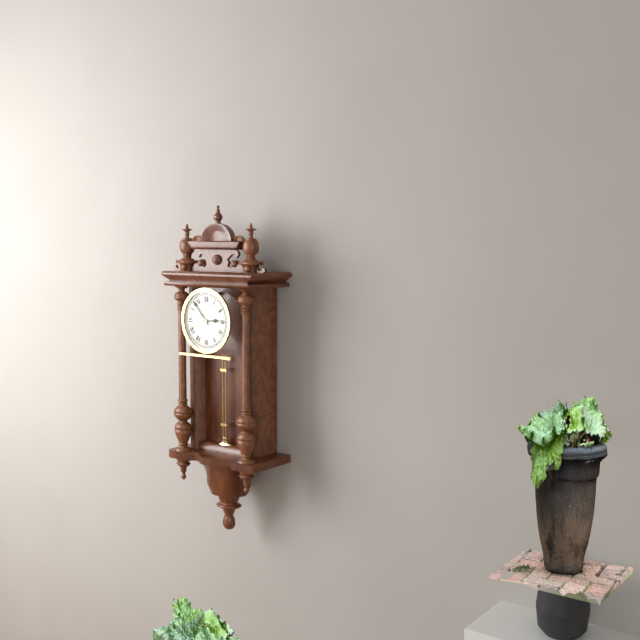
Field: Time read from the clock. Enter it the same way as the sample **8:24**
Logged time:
**2:53**
